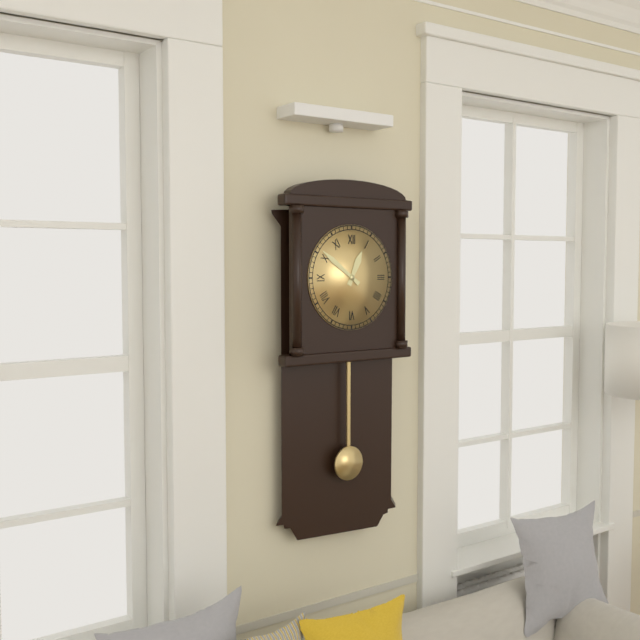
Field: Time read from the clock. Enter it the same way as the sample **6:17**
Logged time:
**12:51**
